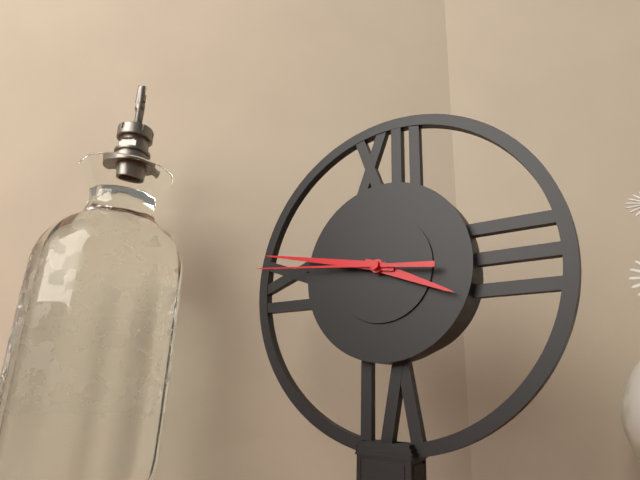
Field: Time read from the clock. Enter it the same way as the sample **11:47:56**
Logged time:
**3:47:46**
